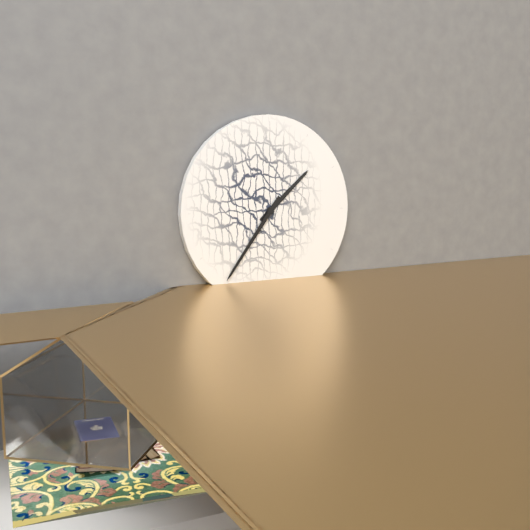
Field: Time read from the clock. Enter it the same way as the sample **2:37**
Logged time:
**1:36**
